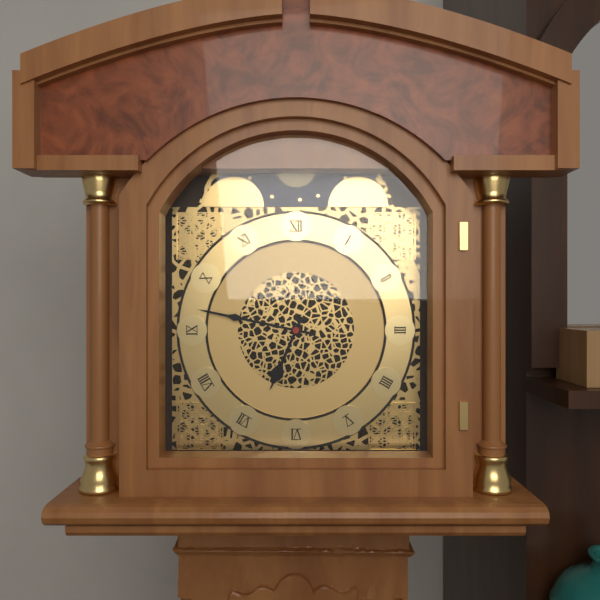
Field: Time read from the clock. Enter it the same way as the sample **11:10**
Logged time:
**6:47**
